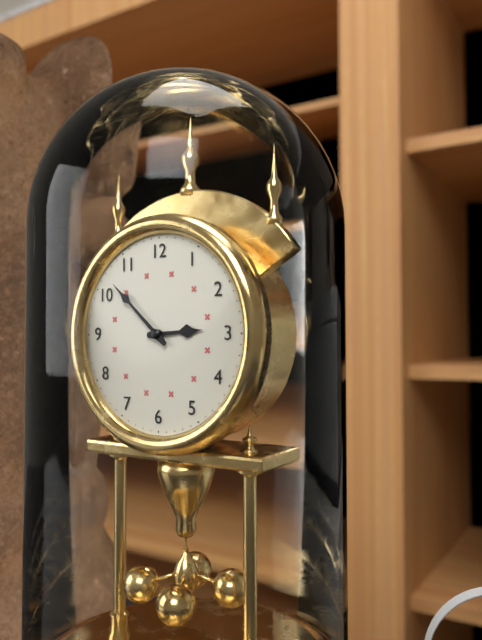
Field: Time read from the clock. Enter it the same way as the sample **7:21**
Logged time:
**2:52**
